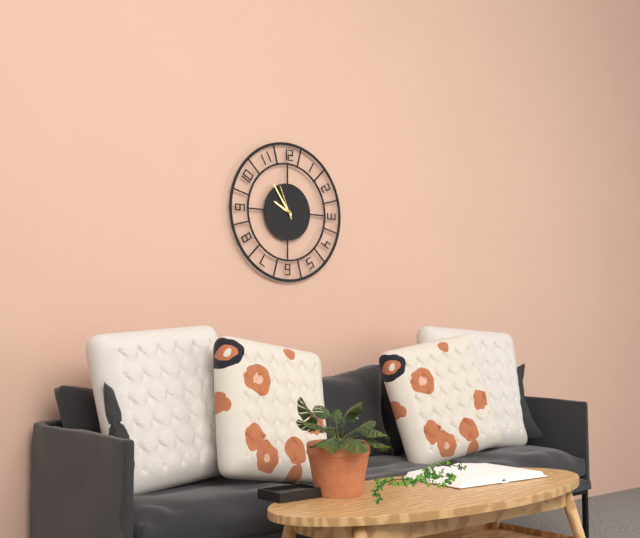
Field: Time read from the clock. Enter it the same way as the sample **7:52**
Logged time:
**9:54**
